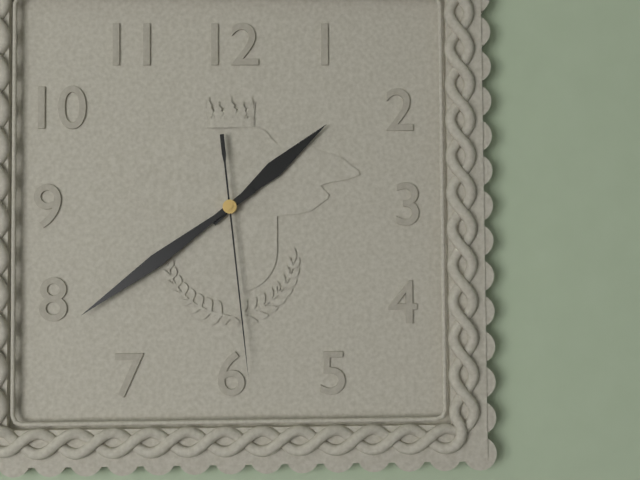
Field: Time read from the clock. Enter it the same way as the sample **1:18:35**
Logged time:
**1:39:29**
